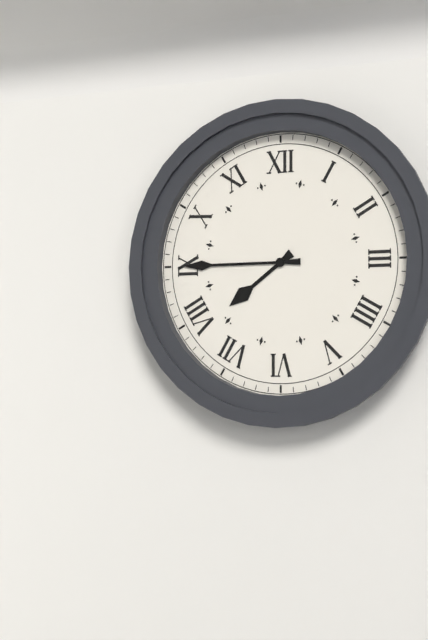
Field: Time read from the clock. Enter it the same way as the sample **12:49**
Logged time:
**7:45**
